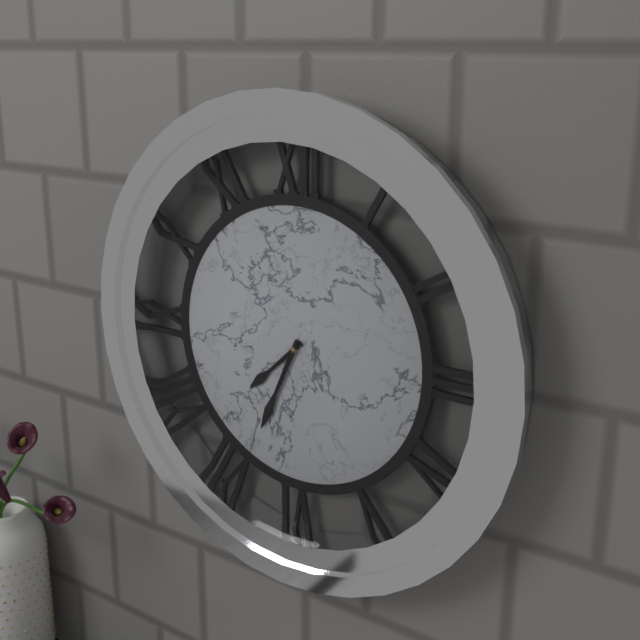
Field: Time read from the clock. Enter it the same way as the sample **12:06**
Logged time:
**7:34**
